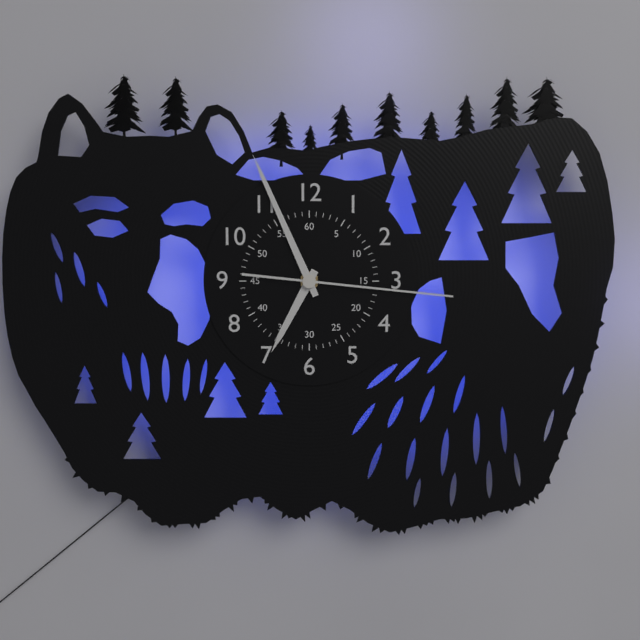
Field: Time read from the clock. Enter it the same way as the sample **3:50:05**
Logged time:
**6:56:16**
